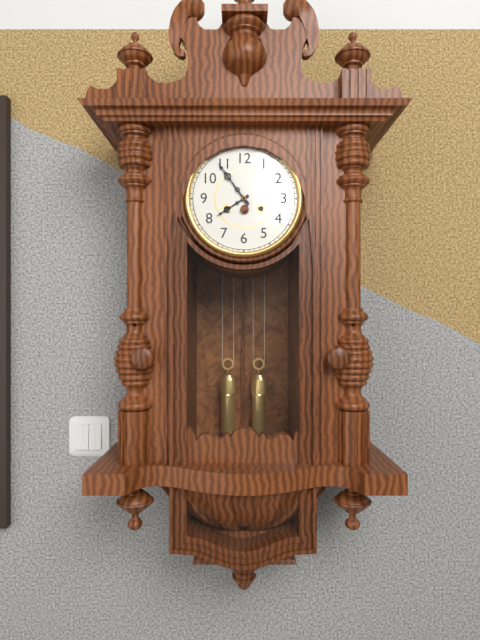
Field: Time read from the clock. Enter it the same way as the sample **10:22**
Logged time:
**7:54**
